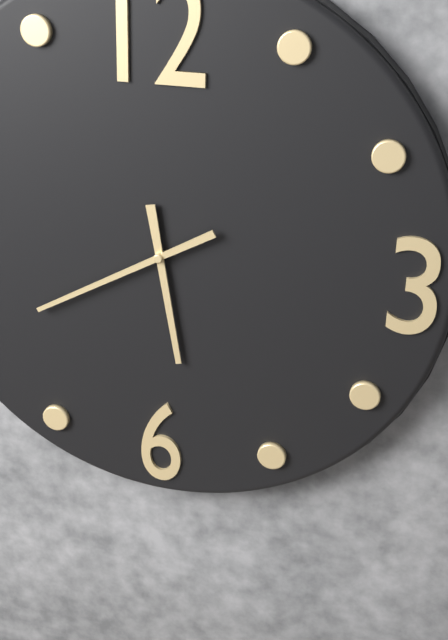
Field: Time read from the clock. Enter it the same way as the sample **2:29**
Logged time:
**5:40**
